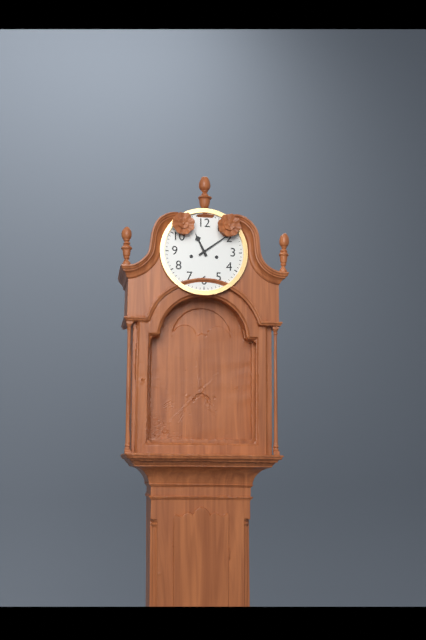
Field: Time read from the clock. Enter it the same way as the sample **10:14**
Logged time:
**11:09**
